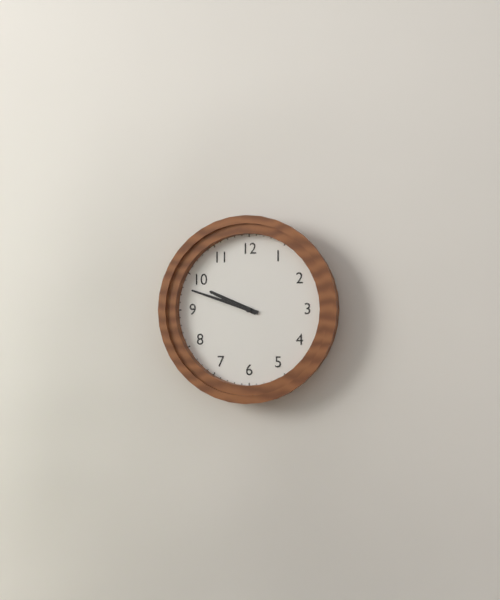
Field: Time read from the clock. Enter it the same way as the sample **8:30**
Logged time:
**9:48**
